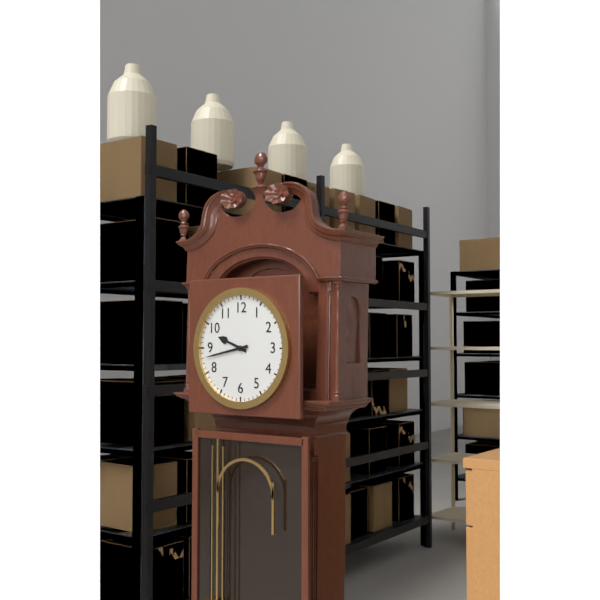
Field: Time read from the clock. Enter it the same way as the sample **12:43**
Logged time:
**9:43**
